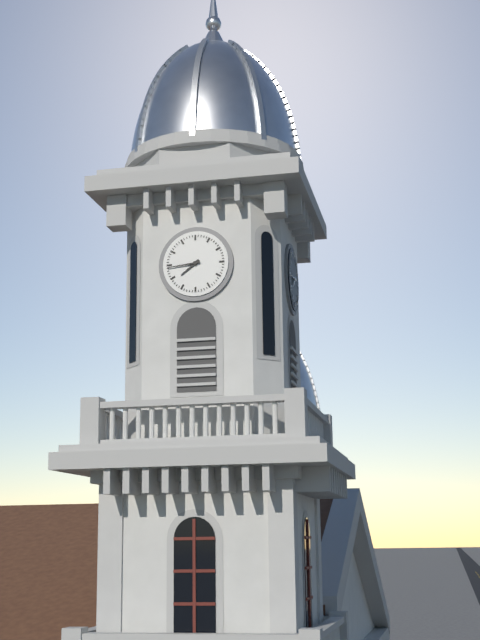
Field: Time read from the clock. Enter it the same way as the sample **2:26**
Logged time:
**7:44**
